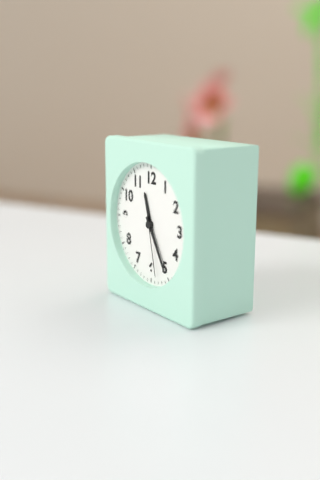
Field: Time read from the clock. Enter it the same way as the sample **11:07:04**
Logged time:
**11:25:28**
